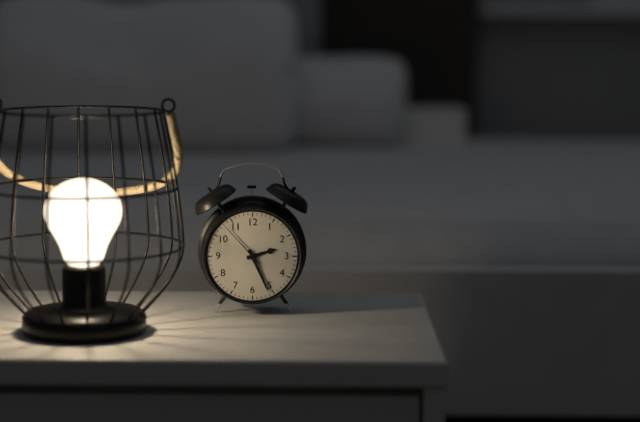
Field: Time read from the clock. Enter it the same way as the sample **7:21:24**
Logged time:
**2:26:53**
